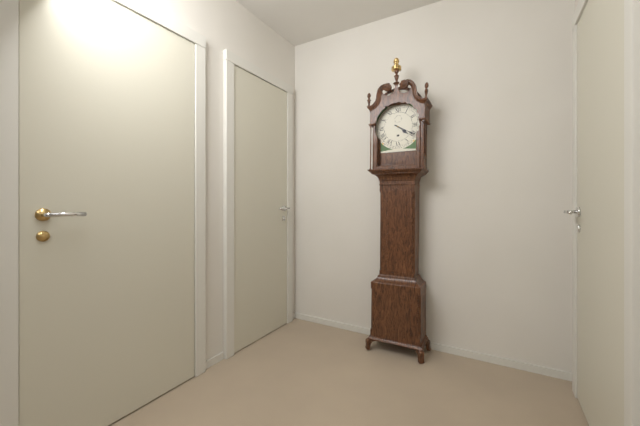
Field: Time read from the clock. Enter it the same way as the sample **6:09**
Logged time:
**4:20**
